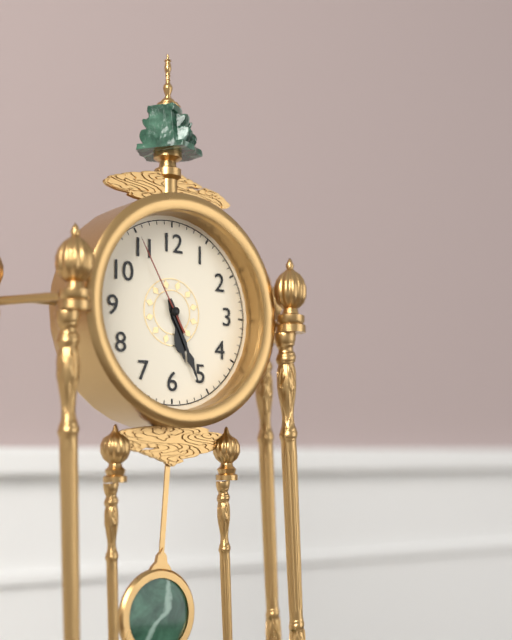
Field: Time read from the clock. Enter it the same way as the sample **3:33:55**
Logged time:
**5:26:55**
